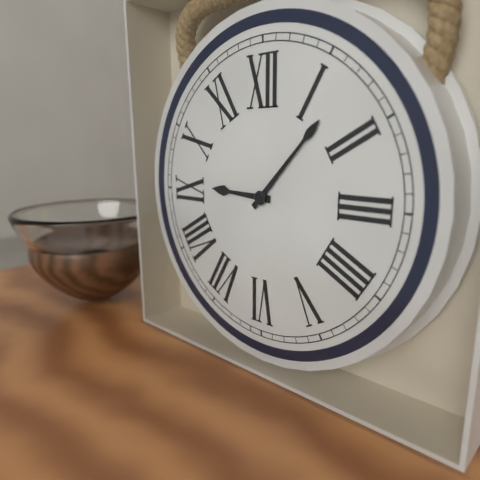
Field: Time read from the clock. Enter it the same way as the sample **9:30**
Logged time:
**9:07**
